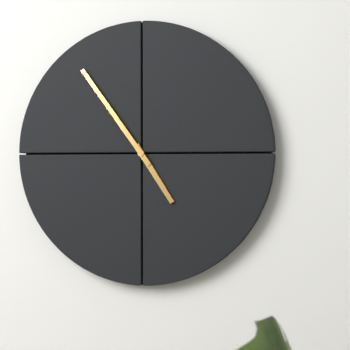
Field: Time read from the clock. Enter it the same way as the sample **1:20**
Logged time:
**4:54**
